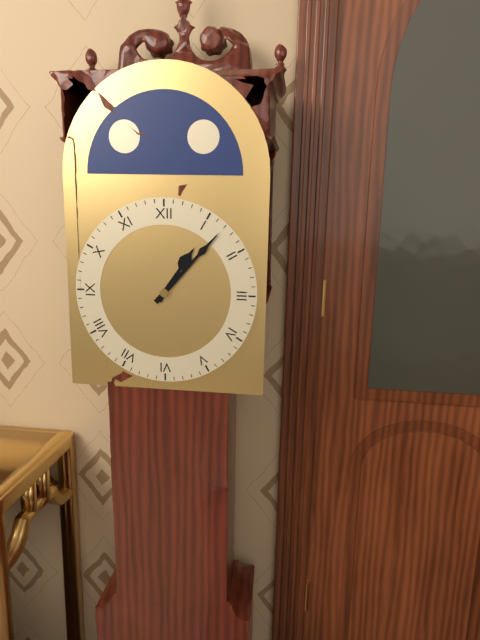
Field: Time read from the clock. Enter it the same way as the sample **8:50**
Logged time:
**1:07**
